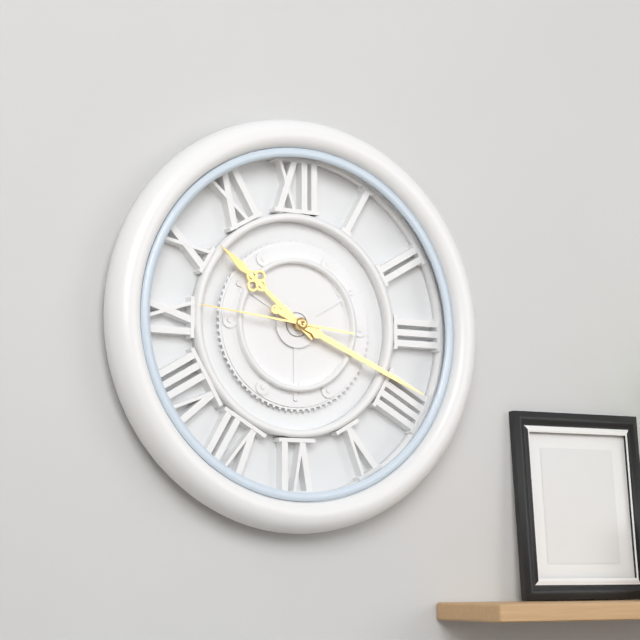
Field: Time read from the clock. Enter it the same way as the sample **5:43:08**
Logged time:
**10:19:46**
